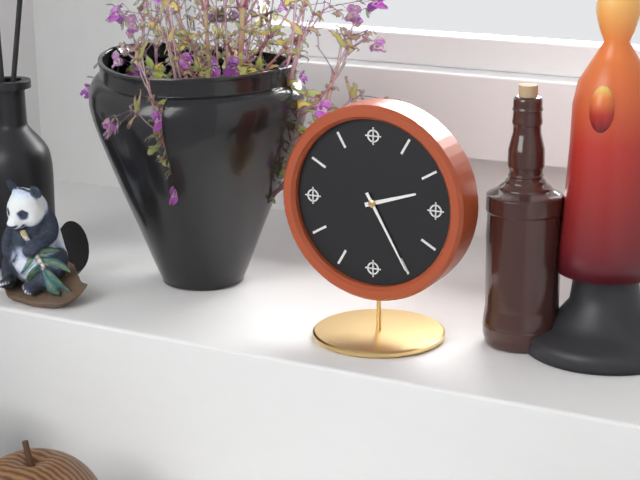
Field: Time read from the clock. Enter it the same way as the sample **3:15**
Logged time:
**2:25**
